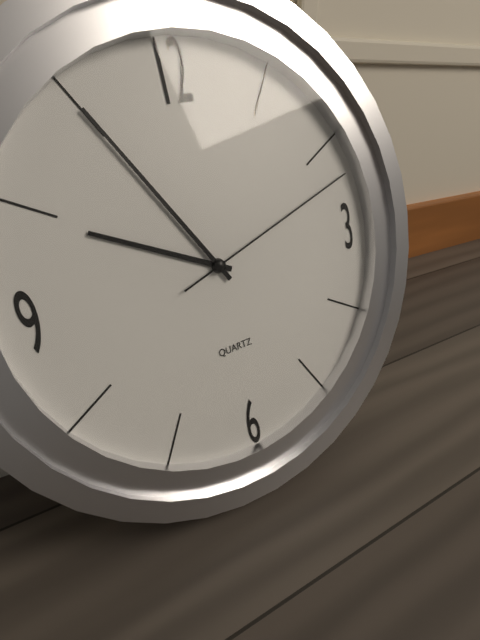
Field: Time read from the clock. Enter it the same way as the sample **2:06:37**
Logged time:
**9:55:12**
